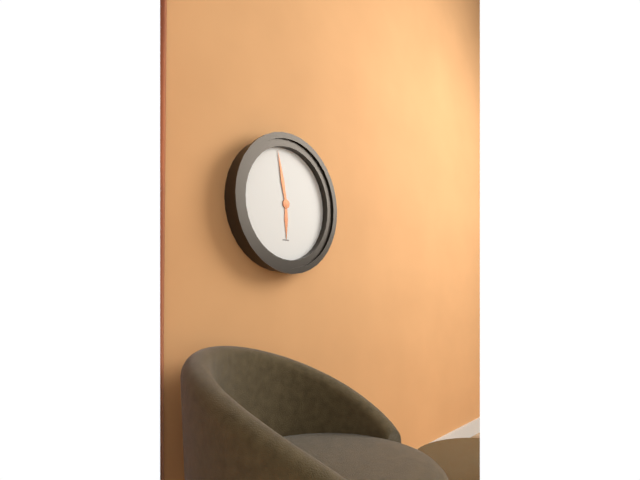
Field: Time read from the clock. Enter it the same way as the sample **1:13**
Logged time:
**5:58**
